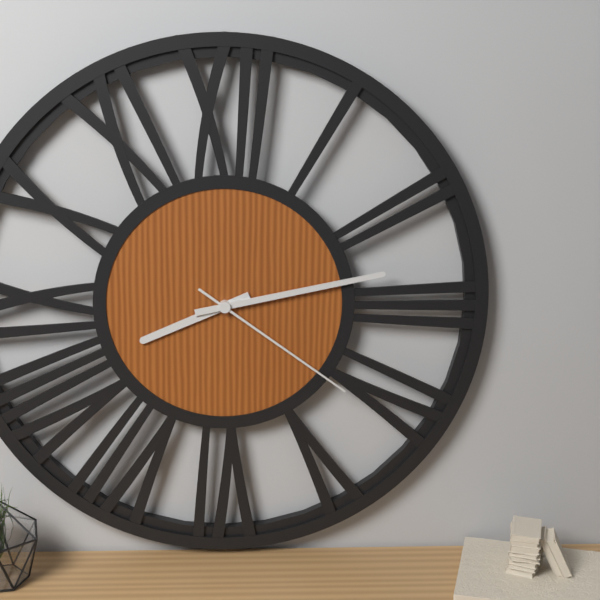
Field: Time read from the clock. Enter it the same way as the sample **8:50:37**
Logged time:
**8:13:21**
